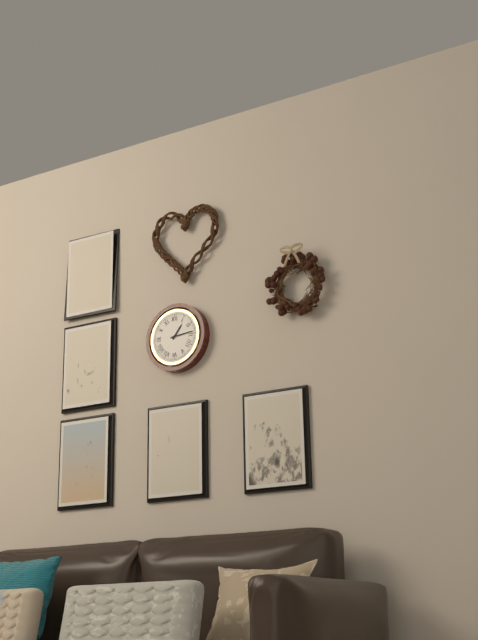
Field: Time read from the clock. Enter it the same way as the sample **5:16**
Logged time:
**1:14**
